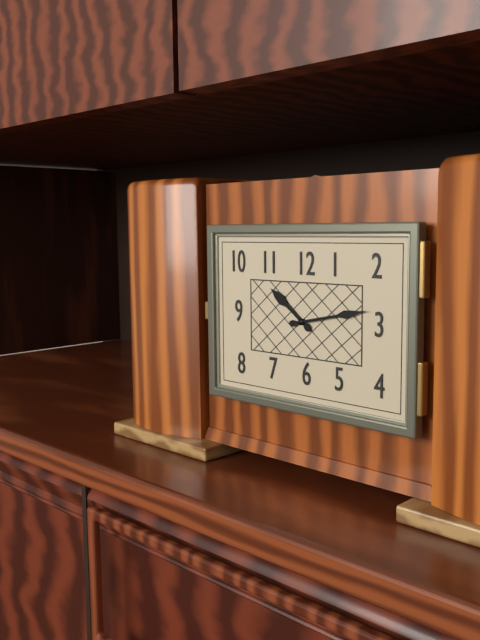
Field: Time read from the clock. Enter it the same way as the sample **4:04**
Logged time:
**10:13**
